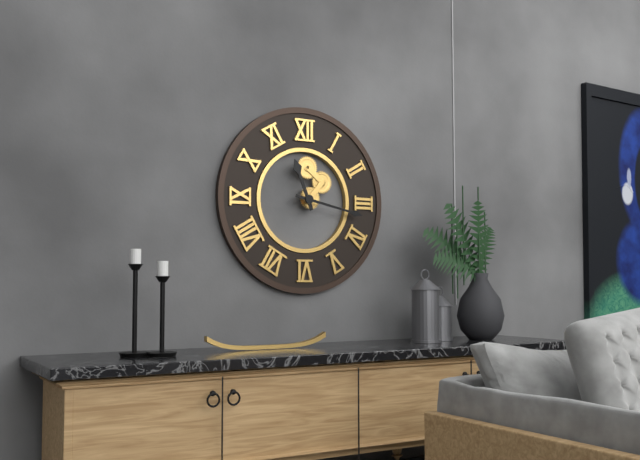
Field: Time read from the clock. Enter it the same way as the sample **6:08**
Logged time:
**11:17**
